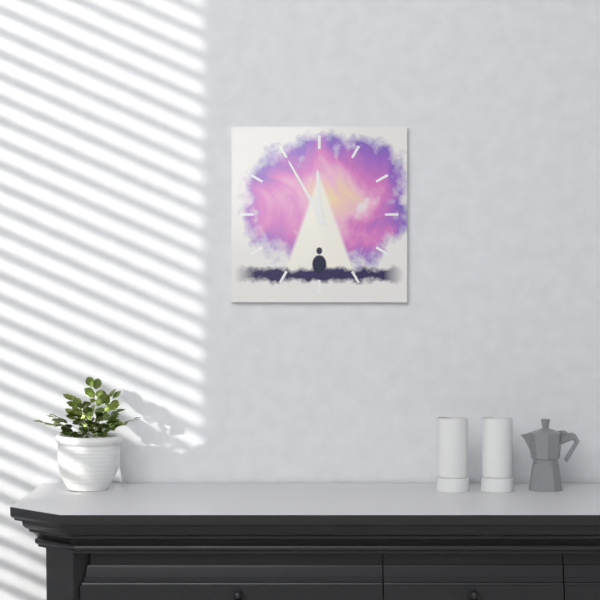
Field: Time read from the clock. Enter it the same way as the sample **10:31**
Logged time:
**11:55**
